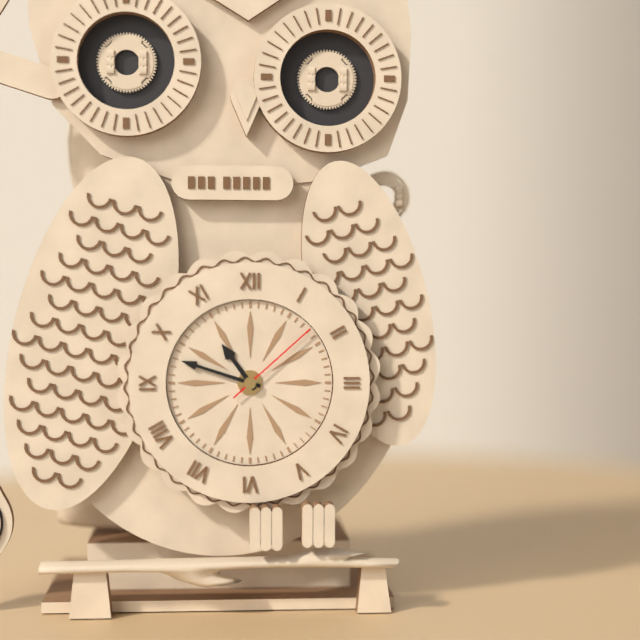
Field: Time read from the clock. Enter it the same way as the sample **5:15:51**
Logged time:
**10:48:08**
